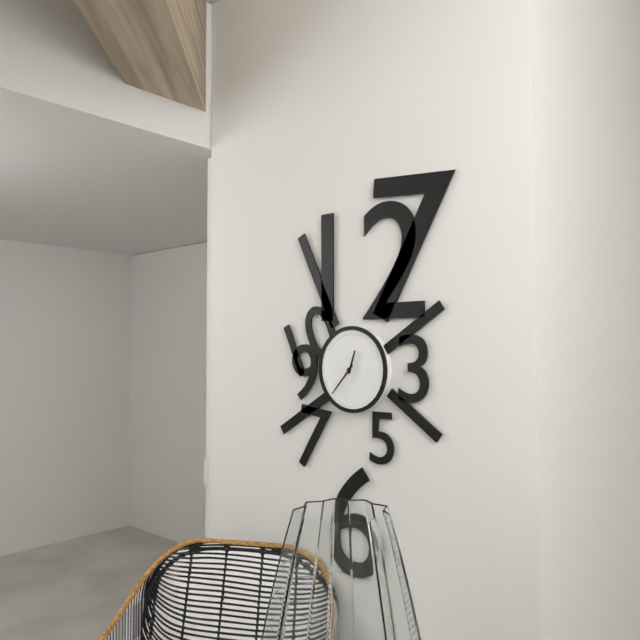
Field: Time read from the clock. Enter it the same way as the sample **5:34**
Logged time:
**12:37**
